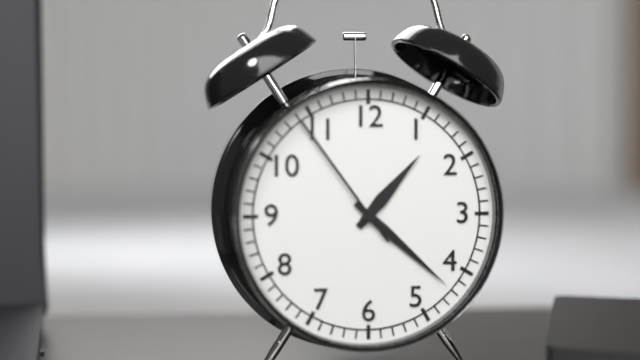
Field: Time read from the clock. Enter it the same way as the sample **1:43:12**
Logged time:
**1:22:54**
